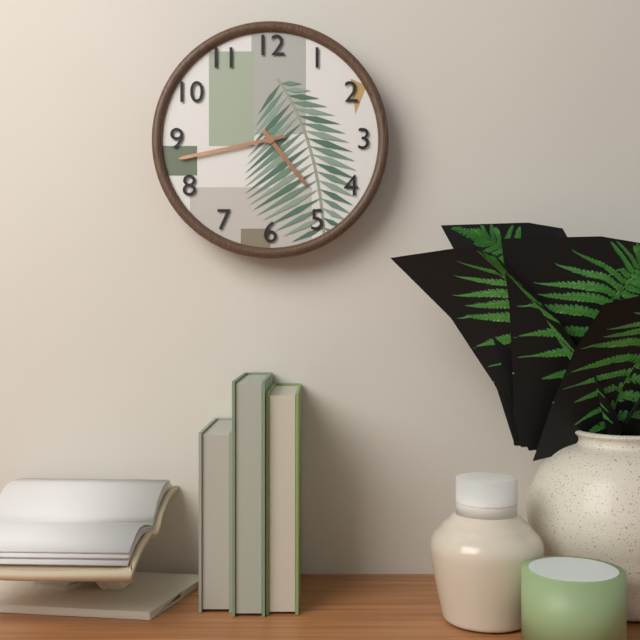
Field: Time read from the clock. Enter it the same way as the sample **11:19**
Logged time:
**4:43**
